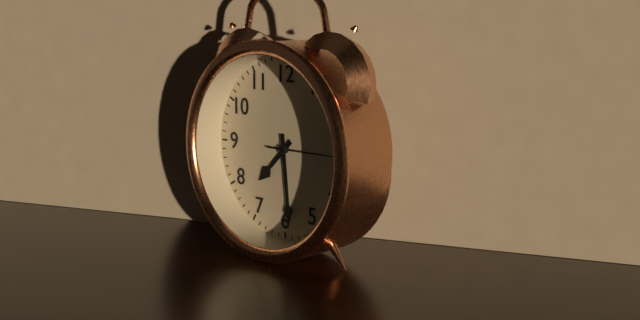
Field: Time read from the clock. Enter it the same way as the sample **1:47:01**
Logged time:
**7:29:15**
